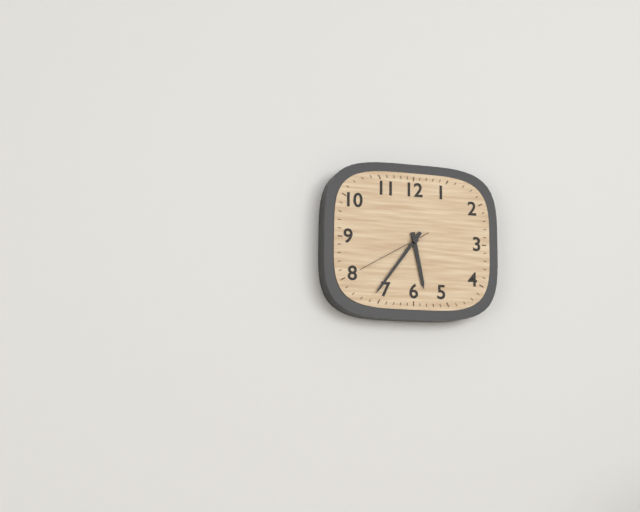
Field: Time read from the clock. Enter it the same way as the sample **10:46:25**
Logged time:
**5:36:40**
